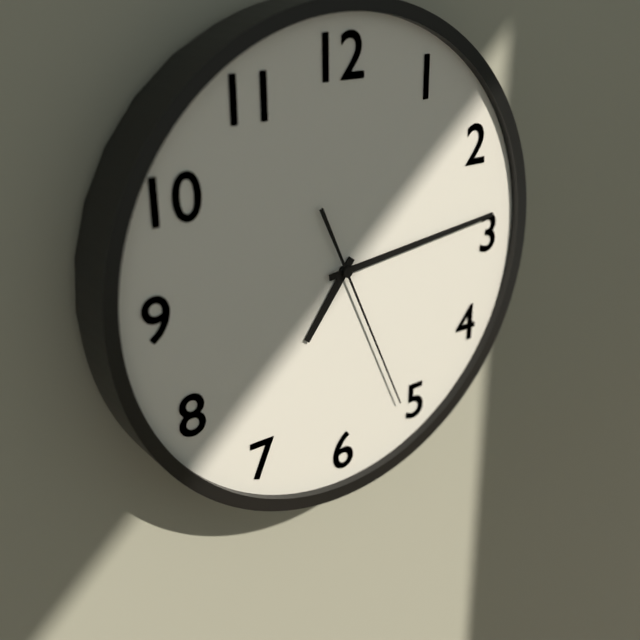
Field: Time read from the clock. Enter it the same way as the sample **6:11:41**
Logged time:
**7:14:26**
